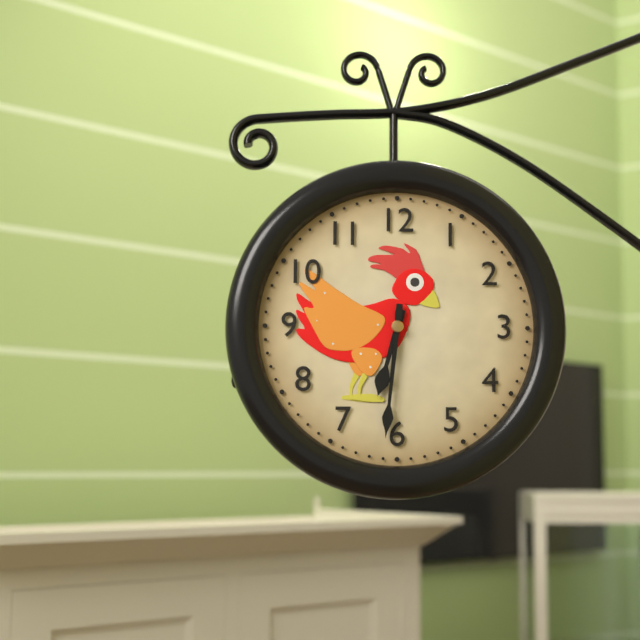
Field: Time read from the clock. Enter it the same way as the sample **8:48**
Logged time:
**6:31**
